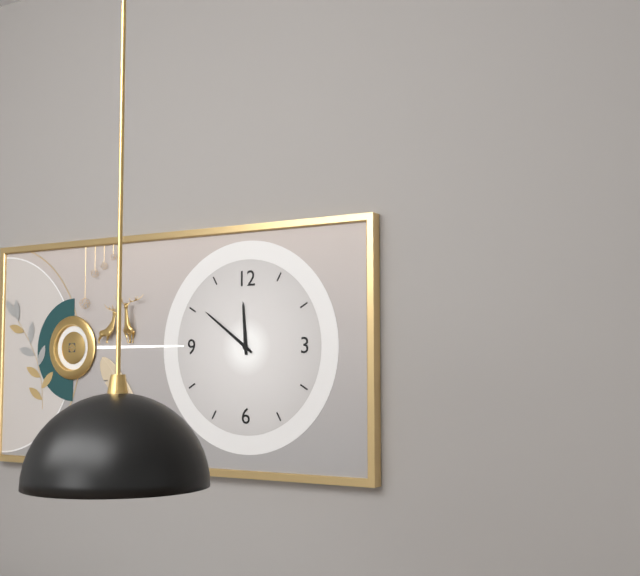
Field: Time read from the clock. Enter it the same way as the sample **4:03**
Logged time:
**11:51**
